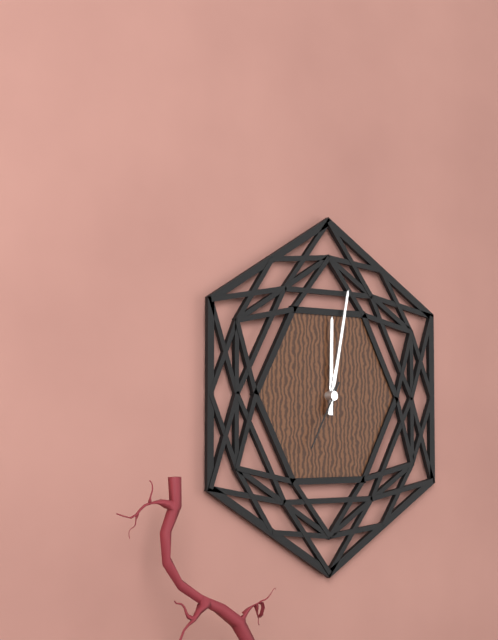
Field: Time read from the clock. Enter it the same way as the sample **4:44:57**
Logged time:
**12:02:35**
